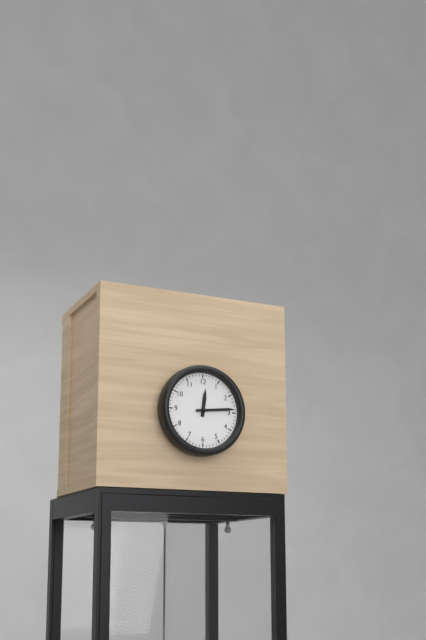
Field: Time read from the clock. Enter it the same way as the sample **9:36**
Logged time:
**12:14**
